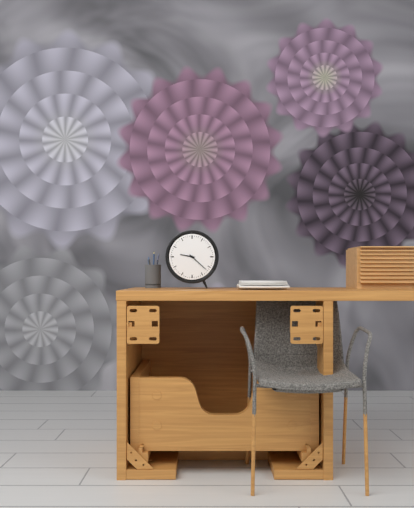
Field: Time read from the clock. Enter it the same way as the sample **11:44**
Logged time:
**9:22**
